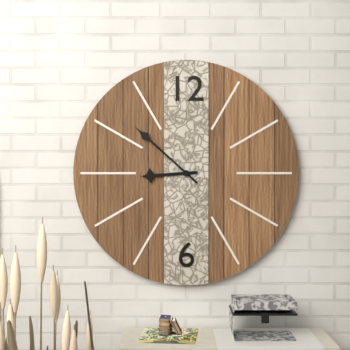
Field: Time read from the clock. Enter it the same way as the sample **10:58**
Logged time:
**8:52**
